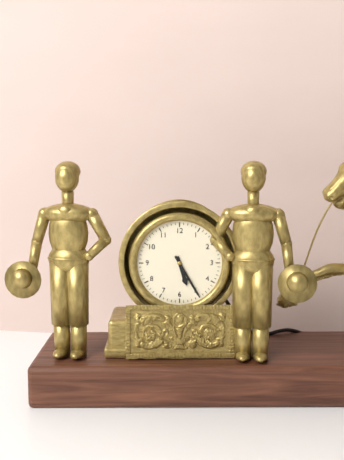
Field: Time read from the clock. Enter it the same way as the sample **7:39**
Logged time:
**5:25**
